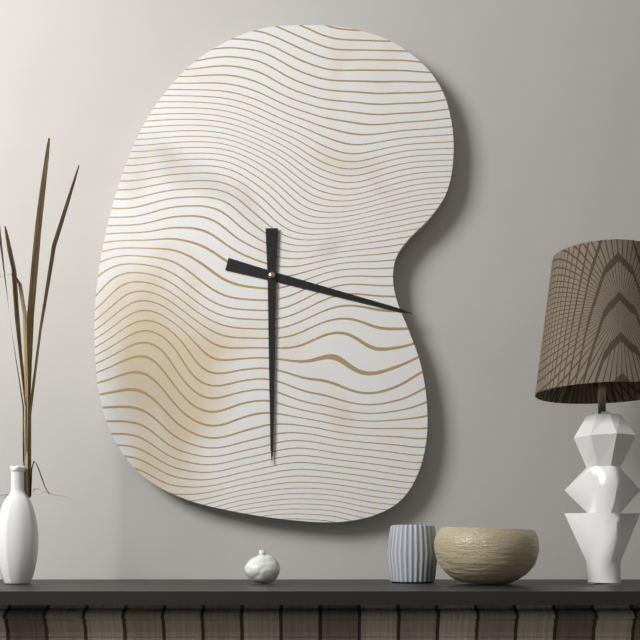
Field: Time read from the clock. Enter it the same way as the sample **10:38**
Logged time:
**3:30**
